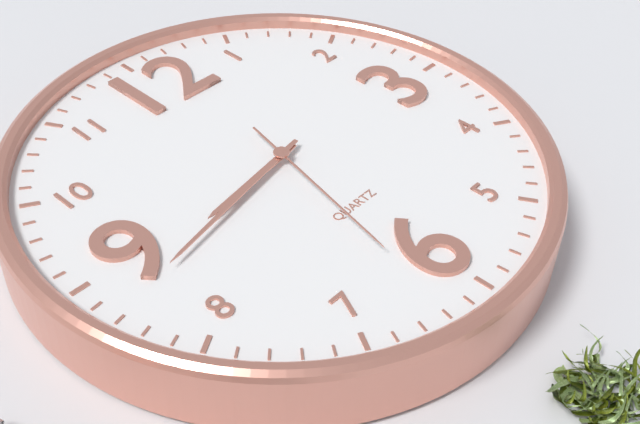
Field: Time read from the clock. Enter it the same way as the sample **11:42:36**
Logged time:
**8:43:32**
